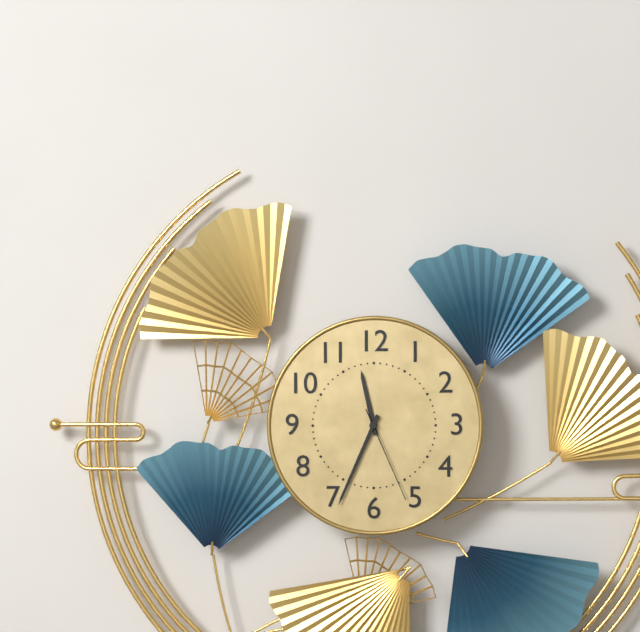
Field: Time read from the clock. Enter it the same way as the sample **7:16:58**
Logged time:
**11:34:26**
